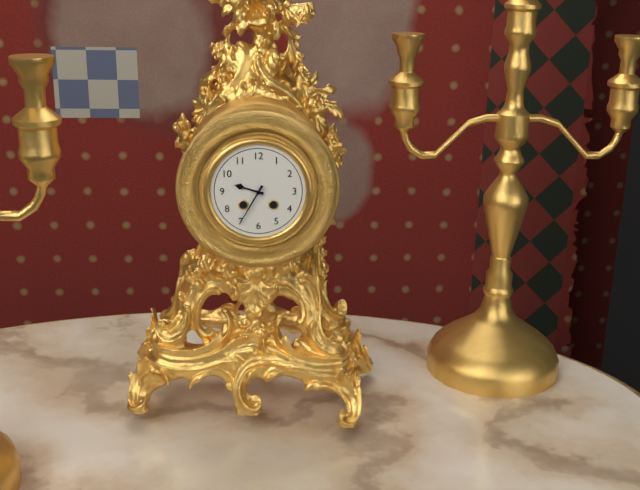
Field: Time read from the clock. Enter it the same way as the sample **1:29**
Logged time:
**9:35**
